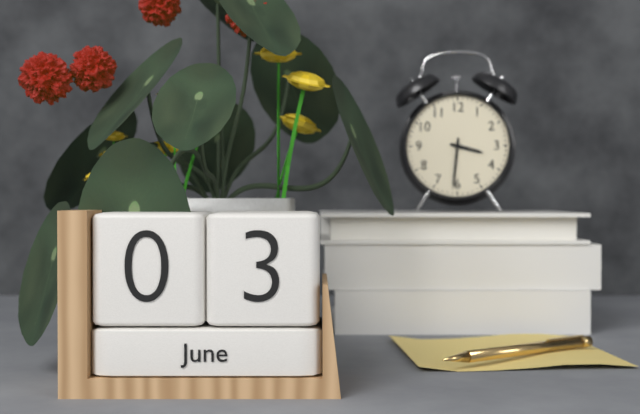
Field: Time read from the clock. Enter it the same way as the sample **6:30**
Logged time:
**3:31**
